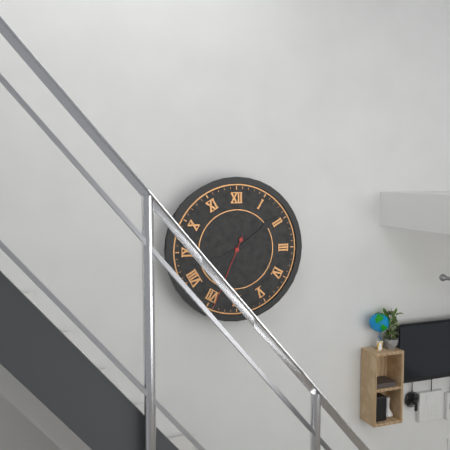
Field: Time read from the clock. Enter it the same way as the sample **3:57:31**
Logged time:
**8:09:34**
